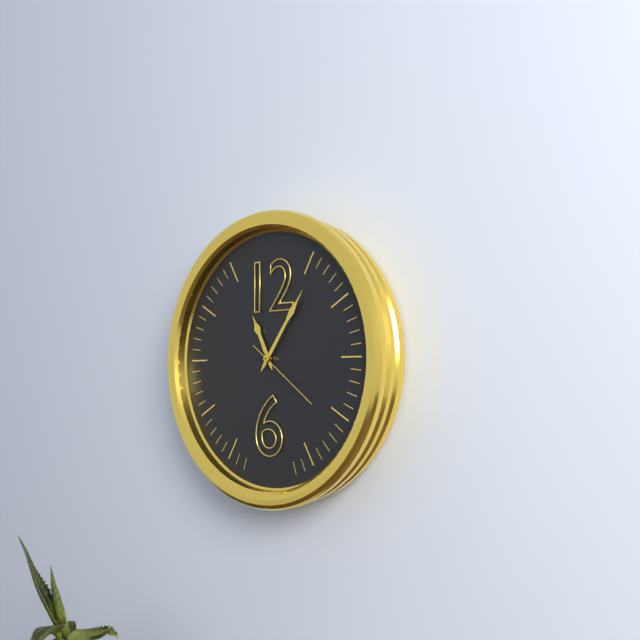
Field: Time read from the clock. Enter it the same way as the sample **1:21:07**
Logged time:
**11:06:21**
